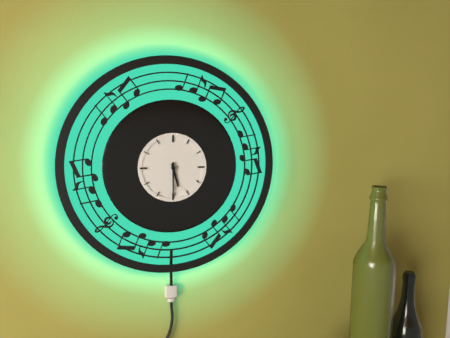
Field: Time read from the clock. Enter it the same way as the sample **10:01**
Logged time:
**5:30**
